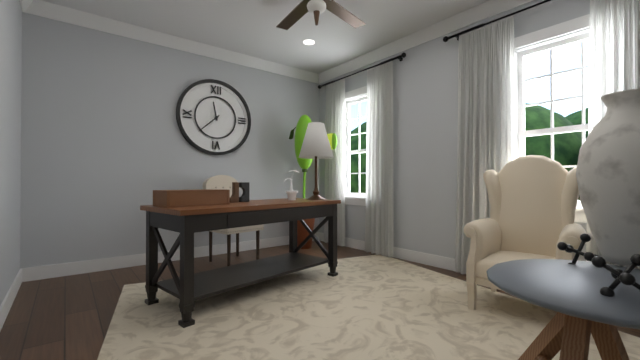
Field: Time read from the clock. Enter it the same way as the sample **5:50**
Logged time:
**11:38**
